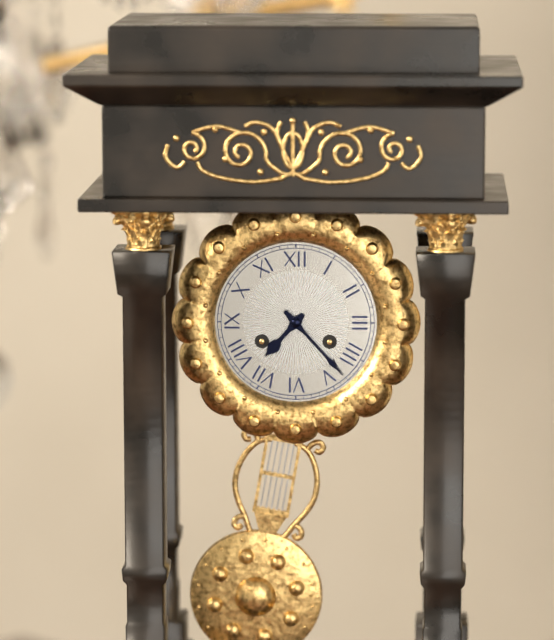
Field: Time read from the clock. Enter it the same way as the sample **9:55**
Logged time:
**7:23**
